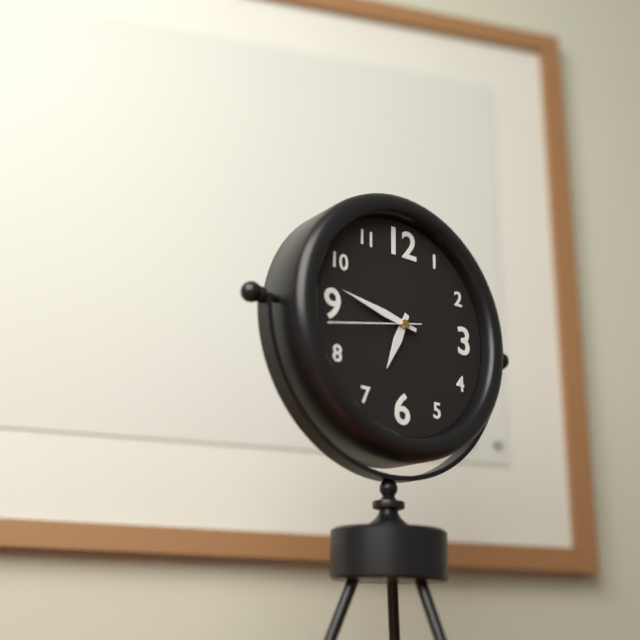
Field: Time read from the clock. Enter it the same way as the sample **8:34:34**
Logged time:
**6:47:43**
